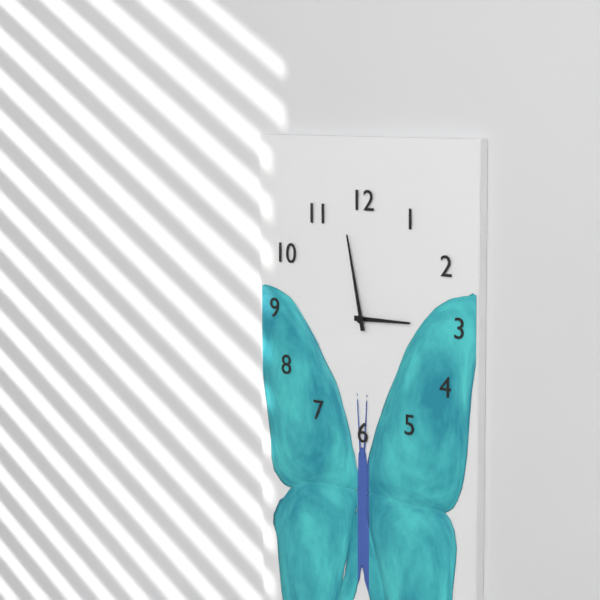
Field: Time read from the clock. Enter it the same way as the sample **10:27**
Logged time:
**2:58**
